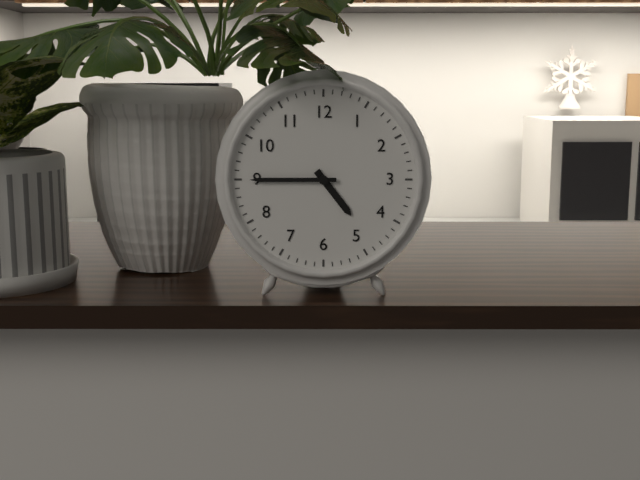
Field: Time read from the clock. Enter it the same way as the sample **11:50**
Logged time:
**4:45**
